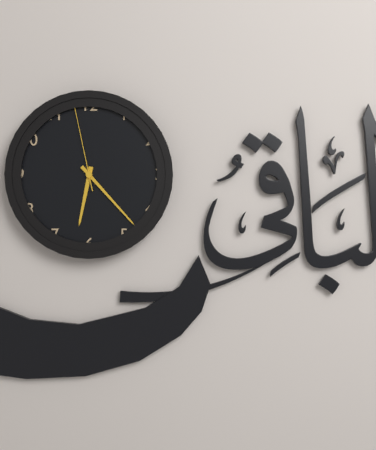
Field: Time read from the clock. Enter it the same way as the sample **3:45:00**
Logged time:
**6:23:58**
